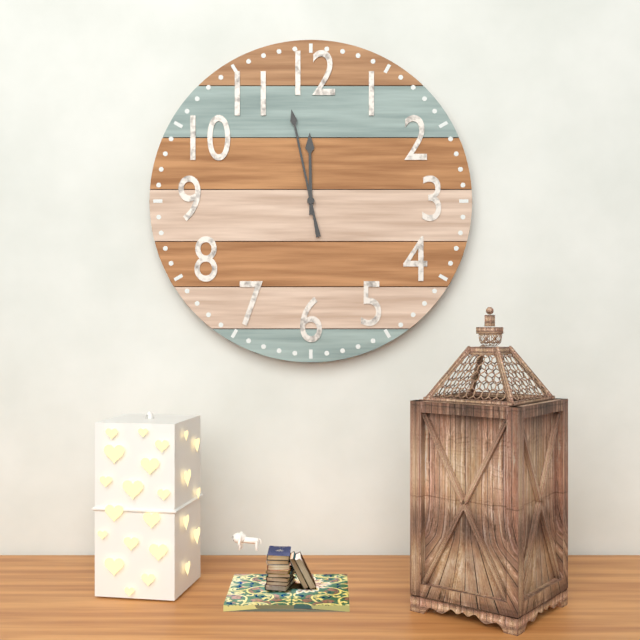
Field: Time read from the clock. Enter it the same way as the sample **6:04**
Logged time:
**11:58**
